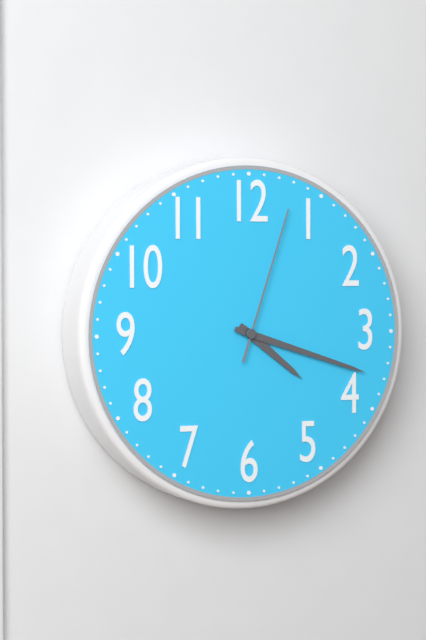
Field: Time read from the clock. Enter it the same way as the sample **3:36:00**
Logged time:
**4:18:03**
